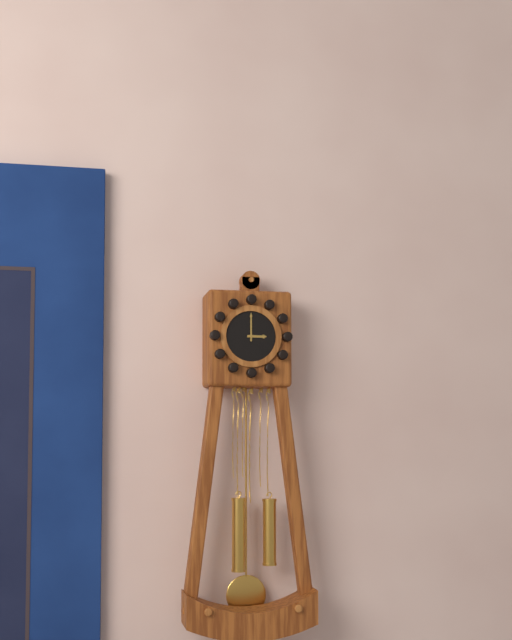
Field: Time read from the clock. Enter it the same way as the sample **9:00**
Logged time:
**3:00**
